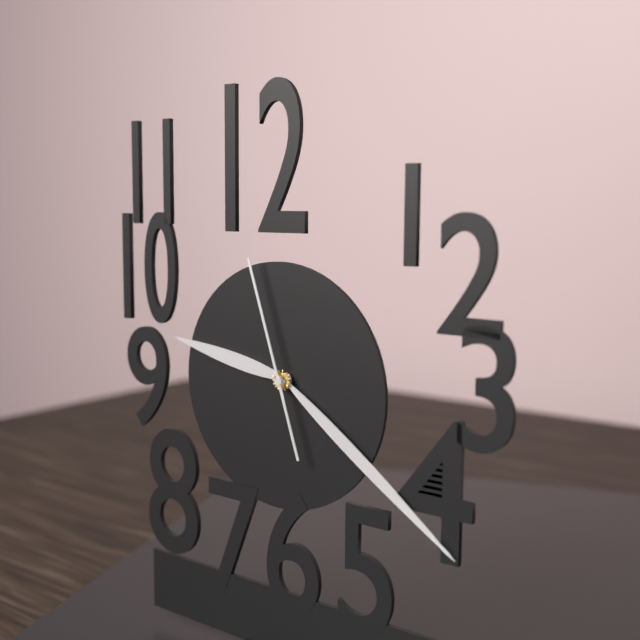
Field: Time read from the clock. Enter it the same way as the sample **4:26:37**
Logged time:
**9:21:57**
